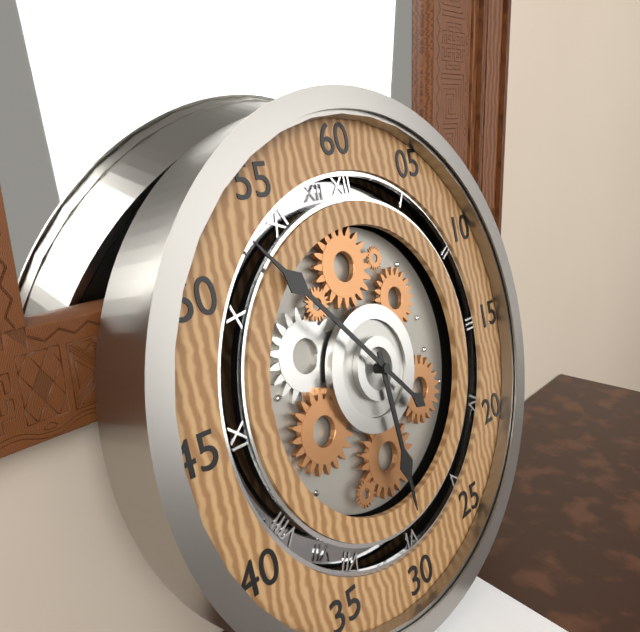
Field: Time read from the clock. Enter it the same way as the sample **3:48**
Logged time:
**5:53**
